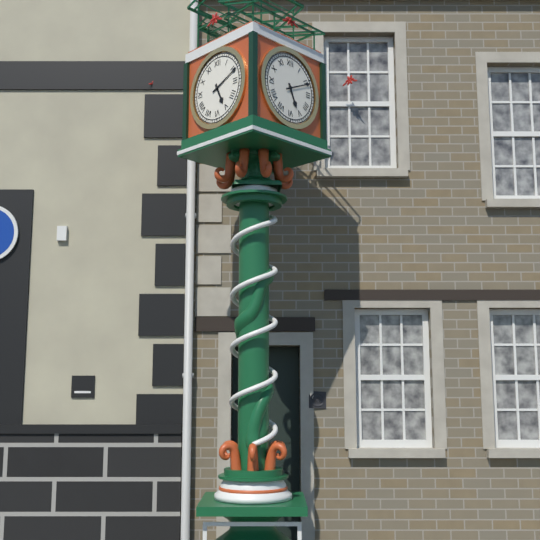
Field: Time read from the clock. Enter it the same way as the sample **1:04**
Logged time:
**5:11**
